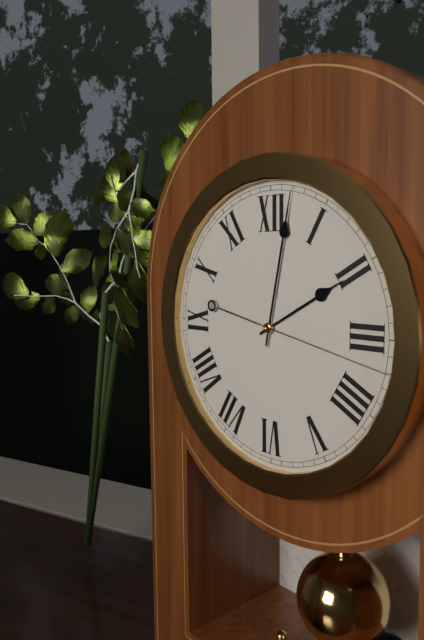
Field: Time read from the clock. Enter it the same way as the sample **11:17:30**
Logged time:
**2:02:17**
